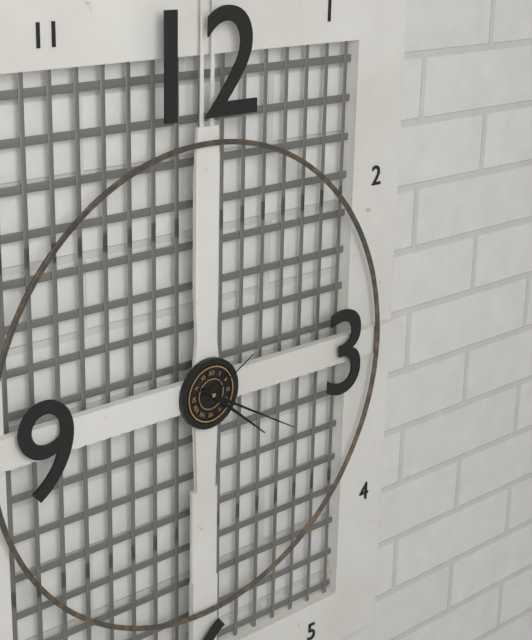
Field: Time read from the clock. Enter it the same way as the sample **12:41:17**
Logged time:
**4:20:10**
